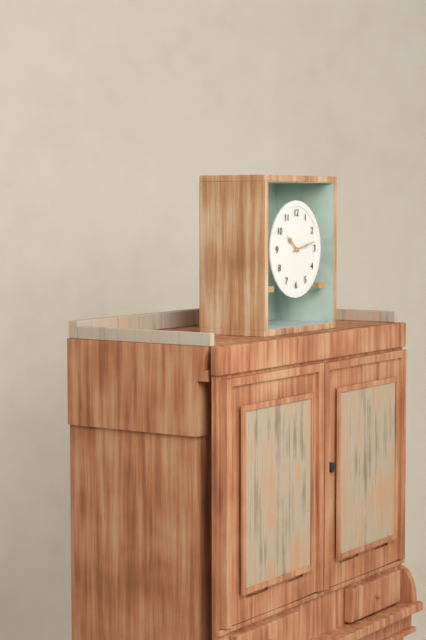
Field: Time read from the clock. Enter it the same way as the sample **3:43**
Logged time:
**10:13**
